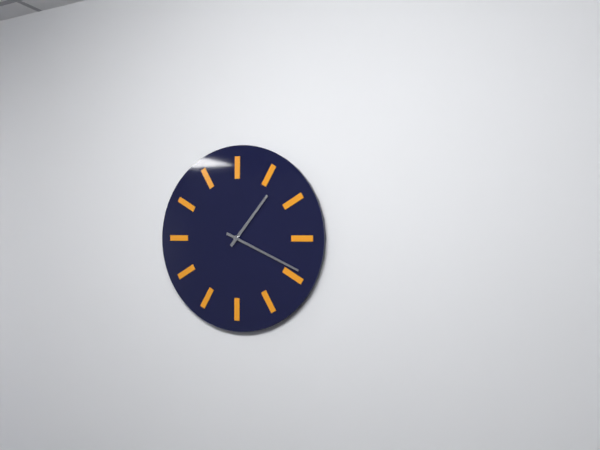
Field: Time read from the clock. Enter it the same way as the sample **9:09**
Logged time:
**1:19**
